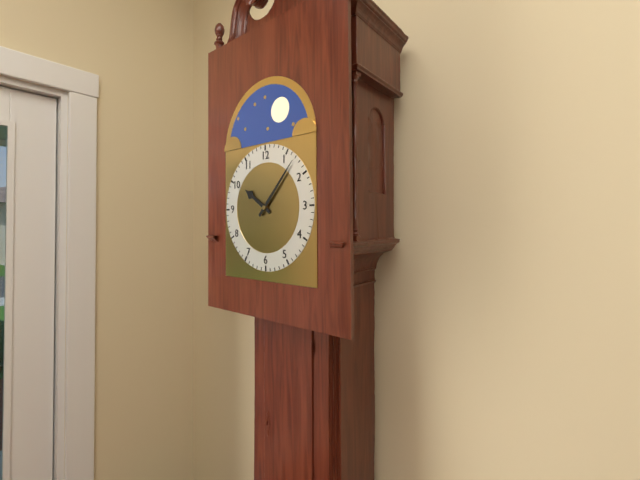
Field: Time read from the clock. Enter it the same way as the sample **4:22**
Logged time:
**10:07**
